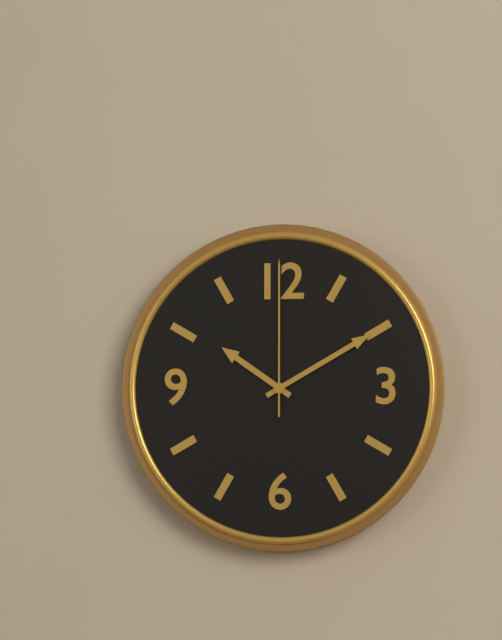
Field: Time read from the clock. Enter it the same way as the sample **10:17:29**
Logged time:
**10:10:00**
